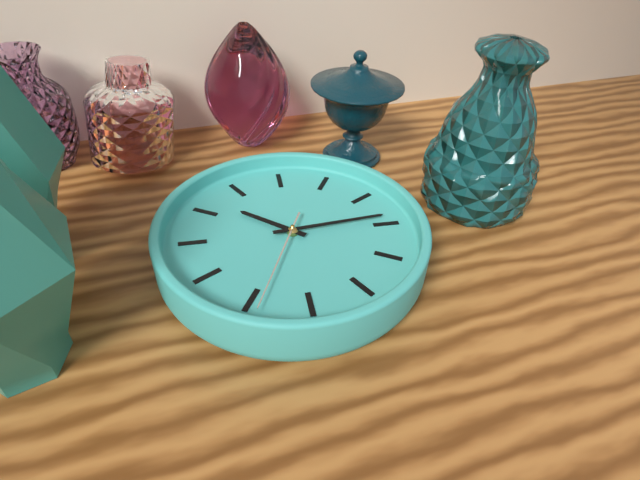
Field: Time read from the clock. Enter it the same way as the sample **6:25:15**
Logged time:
**11:19:39**
